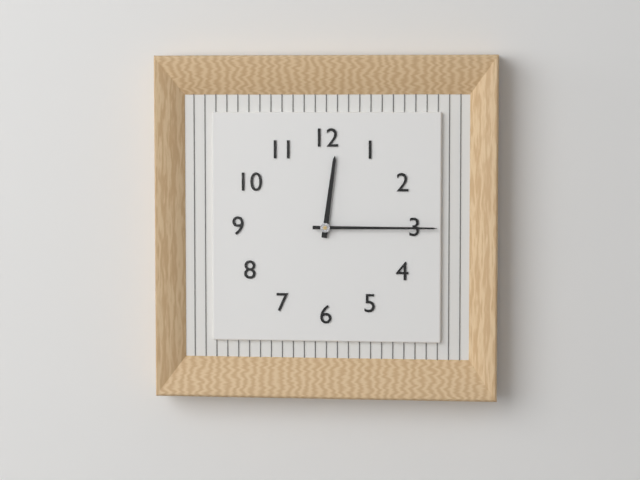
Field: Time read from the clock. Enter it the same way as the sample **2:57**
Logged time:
**12:15**
